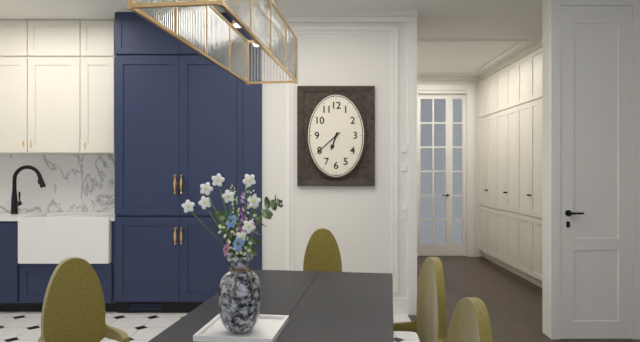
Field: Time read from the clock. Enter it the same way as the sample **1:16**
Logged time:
**6:38**
